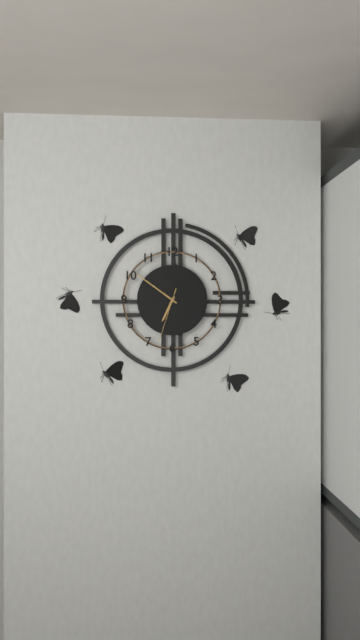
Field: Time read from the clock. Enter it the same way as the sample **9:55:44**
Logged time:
**6:51:33**
